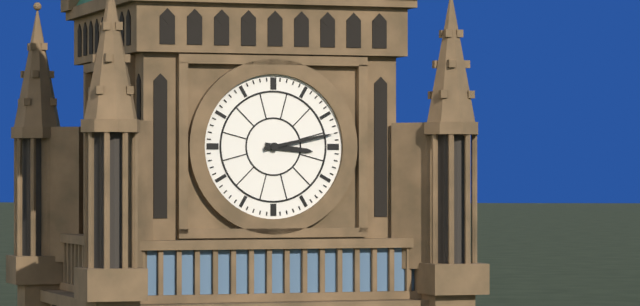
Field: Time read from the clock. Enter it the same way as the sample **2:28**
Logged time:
**3:13**
